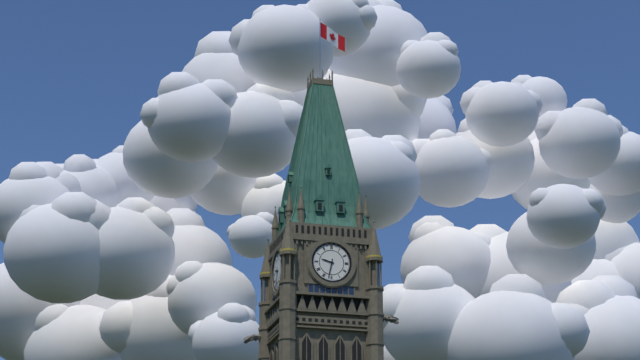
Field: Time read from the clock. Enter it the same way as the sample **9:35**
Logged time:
**9:32**
